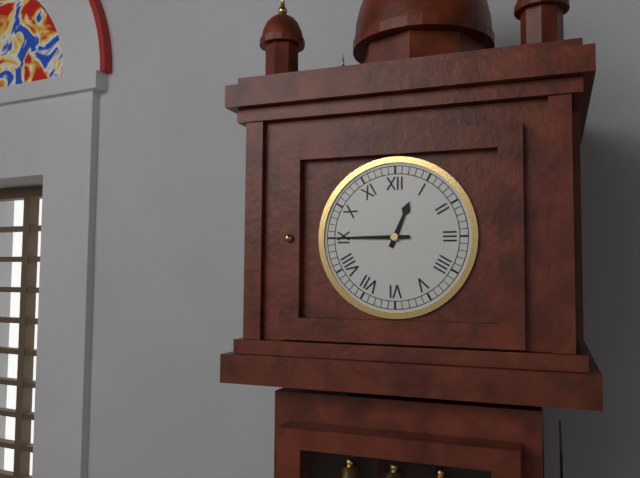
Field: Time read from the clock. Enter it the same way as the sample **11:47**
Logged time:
**12:45**
